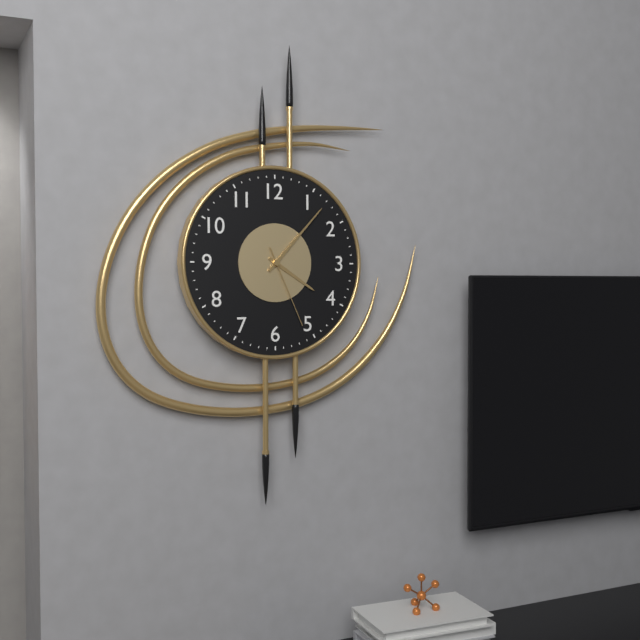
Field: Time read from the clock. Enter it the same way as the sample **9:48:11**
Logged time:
**4:07:26**
